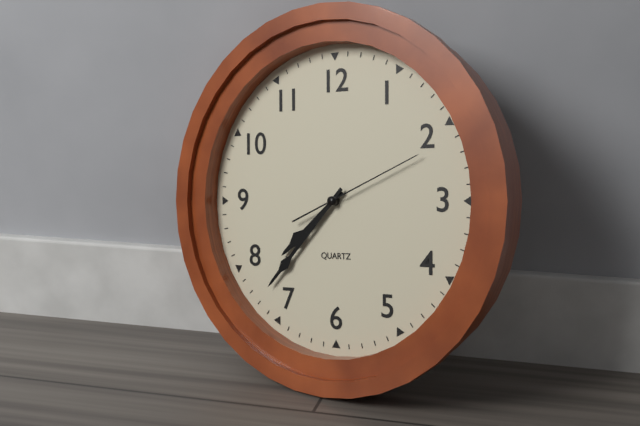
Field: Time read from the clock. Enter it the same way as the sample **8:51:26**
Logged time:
**7:37:11**
